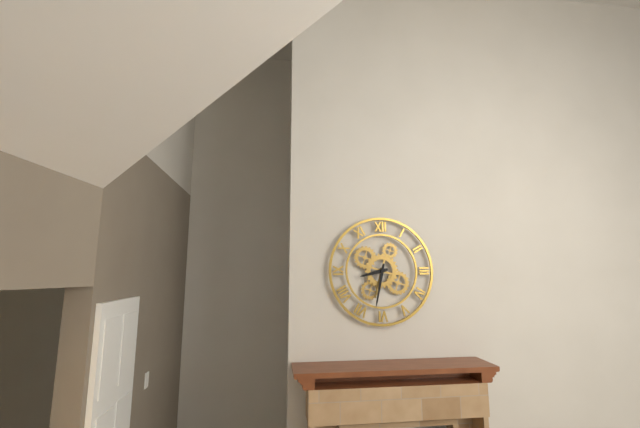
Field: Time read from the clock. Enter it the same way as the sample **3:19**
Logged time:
**8:32**
